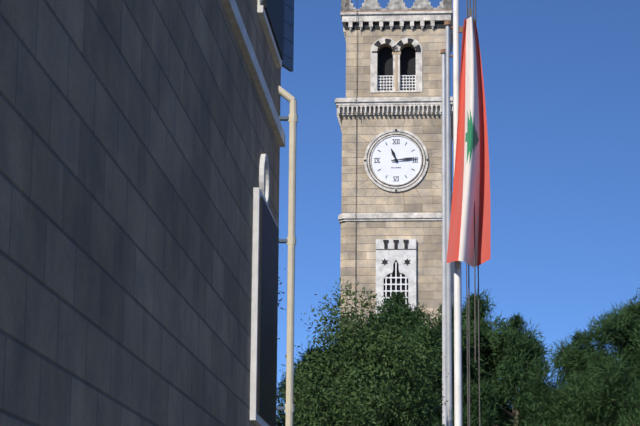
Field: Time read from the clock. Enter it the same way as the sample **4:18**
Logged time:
**11:14**
